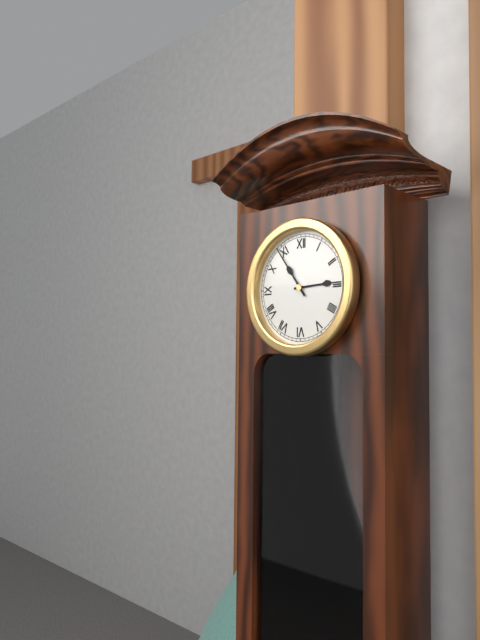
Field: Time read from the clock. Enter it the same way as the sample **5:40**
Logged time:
**2:54**
